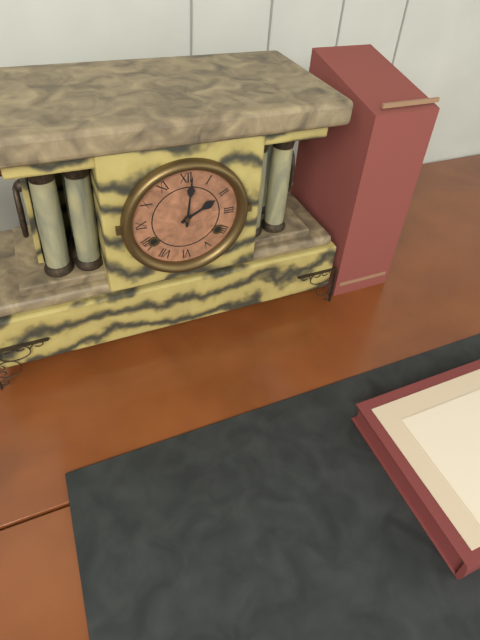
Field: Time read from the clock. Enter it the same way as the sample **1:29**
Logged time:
**2:01**
